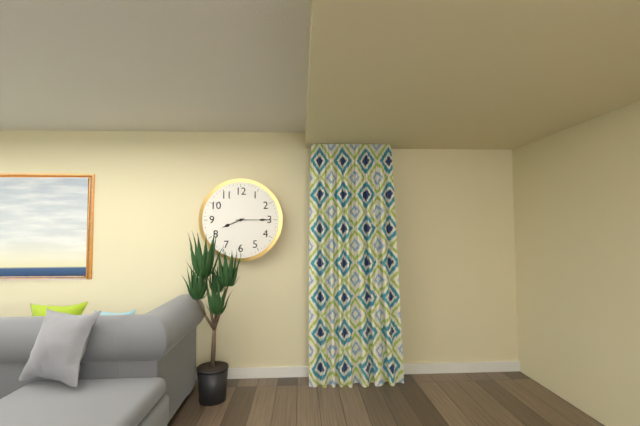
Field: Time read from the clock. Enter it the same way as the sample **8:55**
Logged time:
**8:15**
